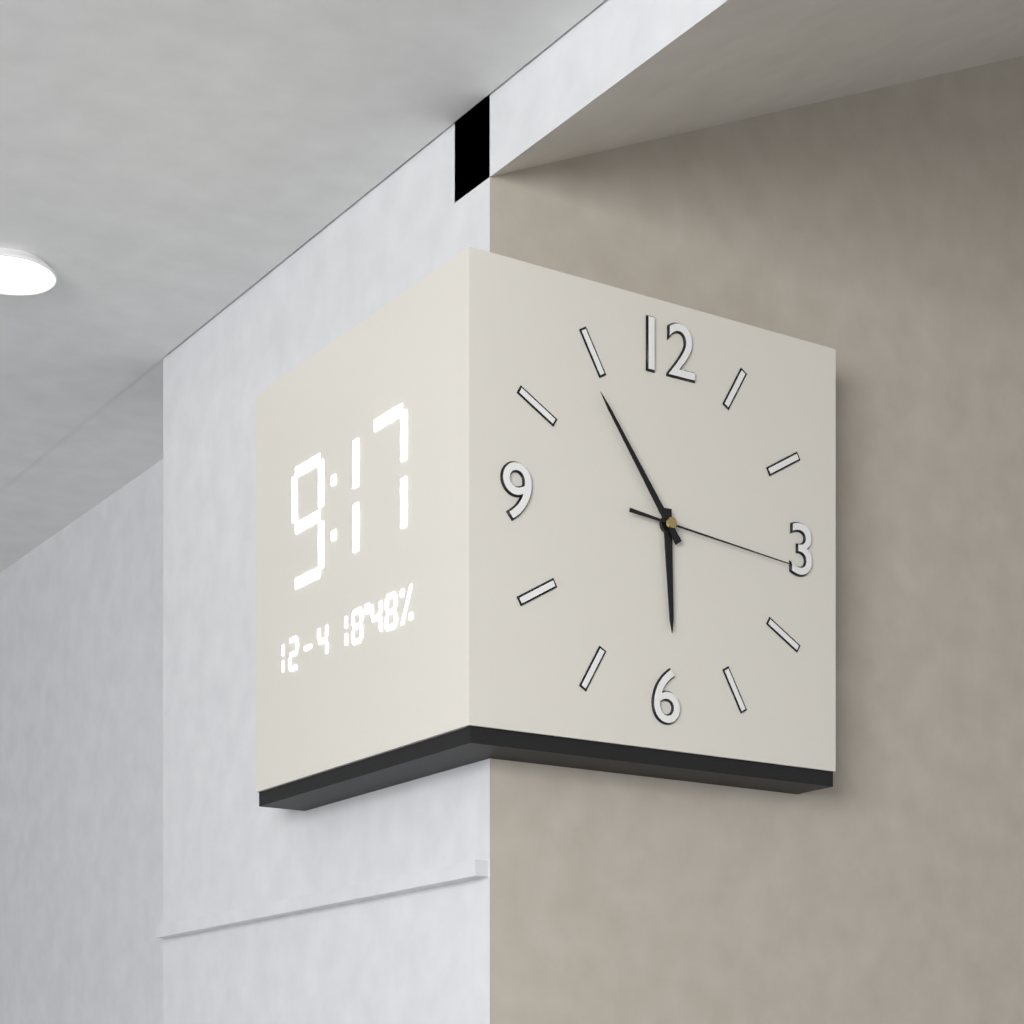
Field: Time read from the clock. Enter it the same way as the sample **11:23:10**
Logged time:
**5:54:16**
